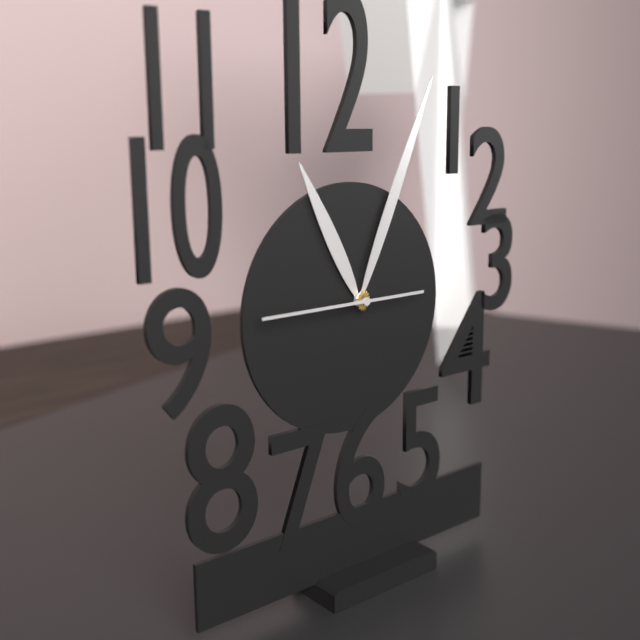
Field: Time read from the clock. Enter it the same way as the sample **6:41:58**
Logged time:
**11:04:45**
